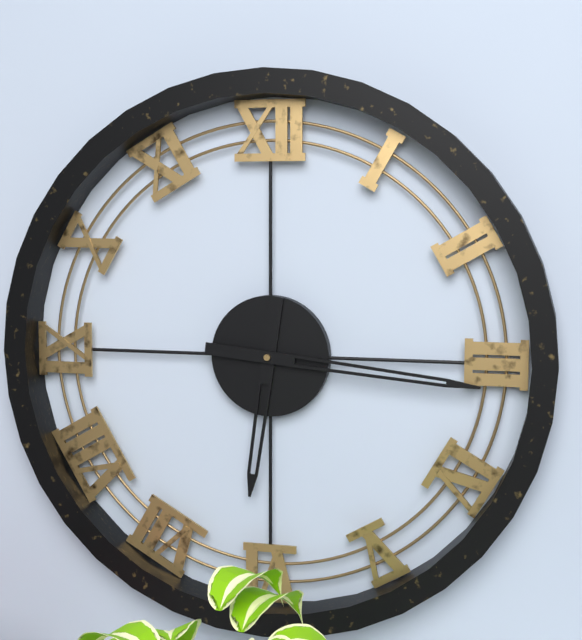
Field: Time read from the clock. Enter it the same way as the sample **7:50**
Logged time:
**6:16**
